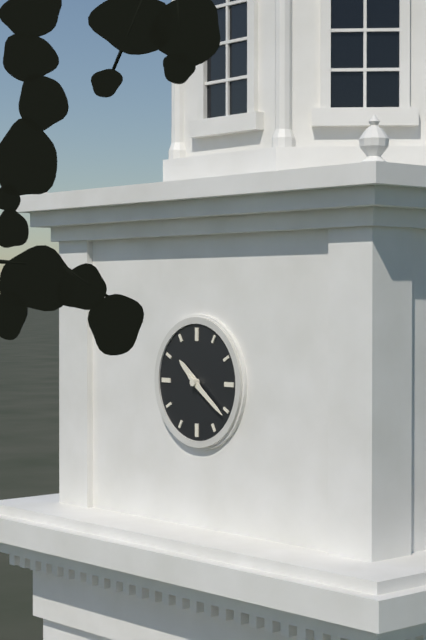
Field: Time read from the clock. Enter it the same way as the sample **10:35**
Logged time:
**10:21**
